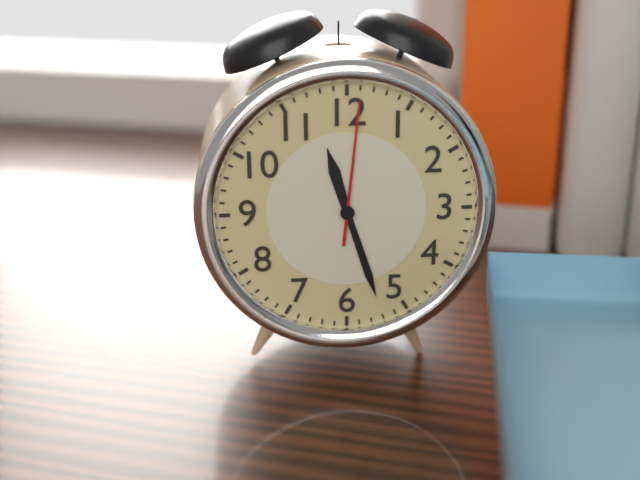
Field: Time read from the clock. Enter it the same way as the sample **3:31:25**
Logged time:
**11:27:01**
